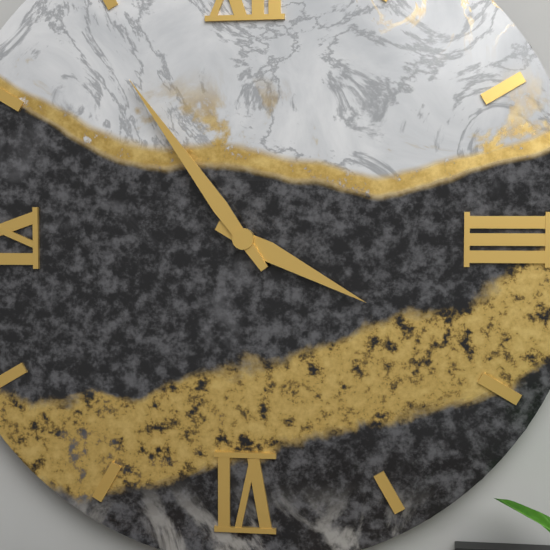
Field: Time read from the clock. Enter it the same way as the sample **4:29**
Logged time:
**3:54**
